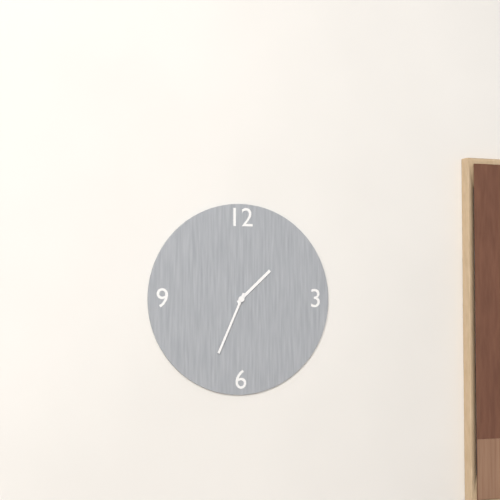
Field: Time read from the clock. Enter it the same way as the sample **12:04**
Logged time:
**1:34**
